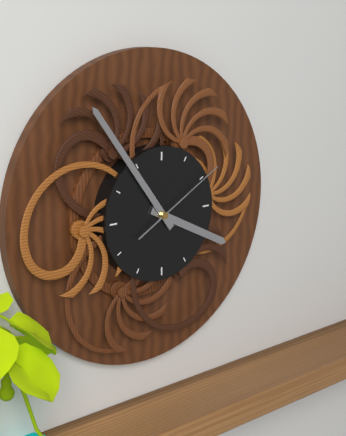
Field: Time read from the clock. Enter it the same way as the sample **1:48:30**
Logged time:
**3:54:10**
